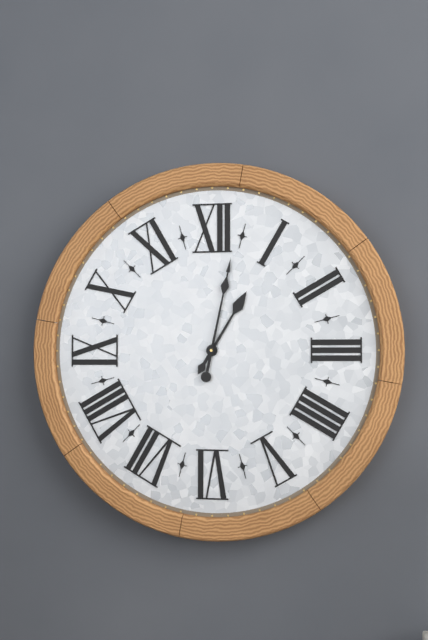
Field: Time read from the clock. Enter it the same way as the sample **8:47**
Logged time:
**1:02**
